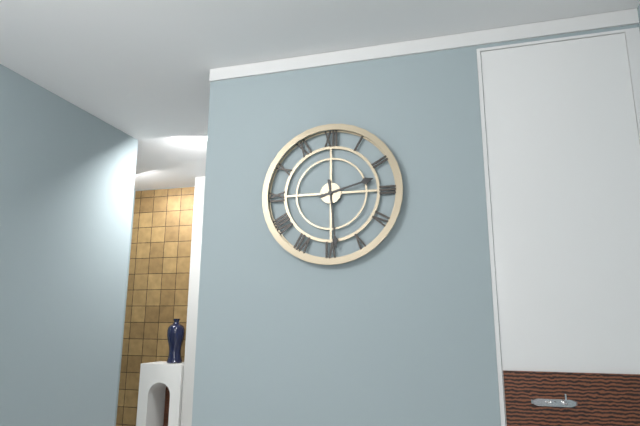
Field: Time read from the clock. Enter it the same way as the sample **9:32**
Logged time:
**2:29**
